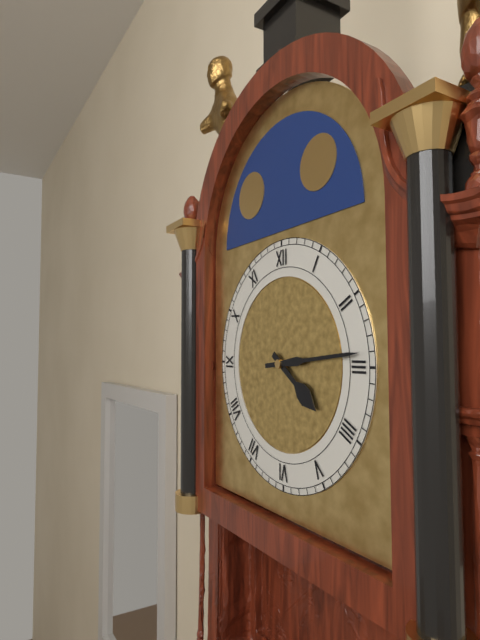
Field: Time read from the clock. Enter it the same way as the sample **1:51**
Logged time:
**4:14**
